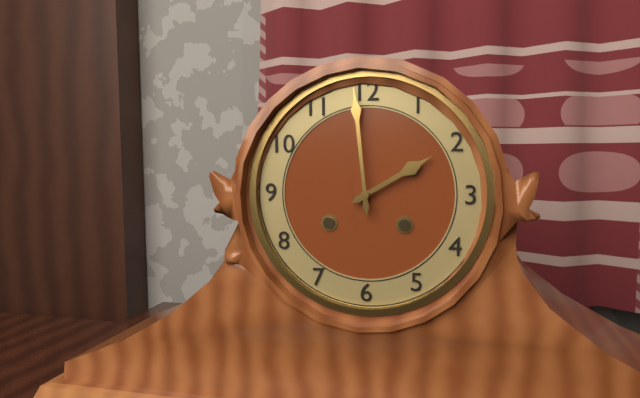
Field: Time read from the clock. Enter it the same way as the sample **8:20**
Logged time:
**1:59**
